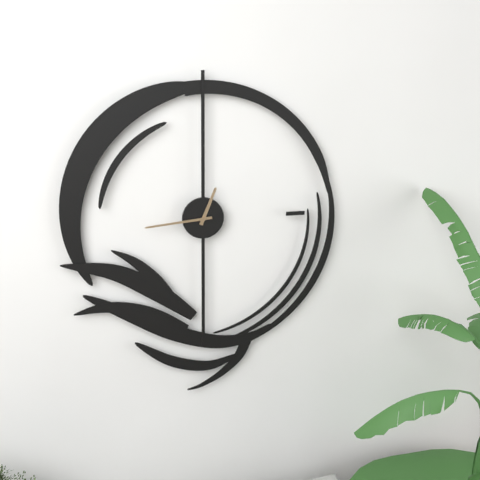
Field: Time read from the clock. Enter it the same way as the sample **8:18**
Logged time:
**12:44**
